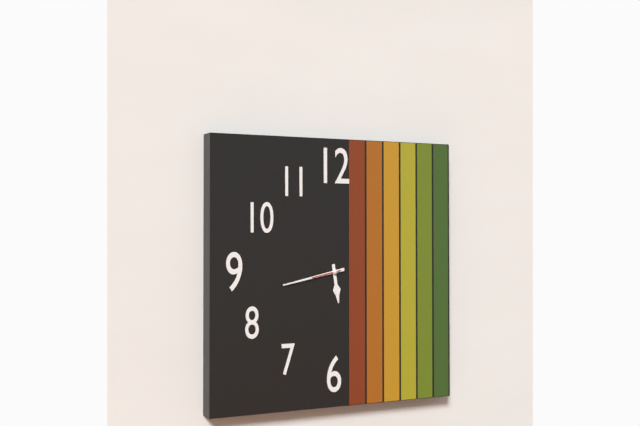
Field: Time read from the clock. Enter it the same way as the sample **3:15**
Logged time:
**5:43**
